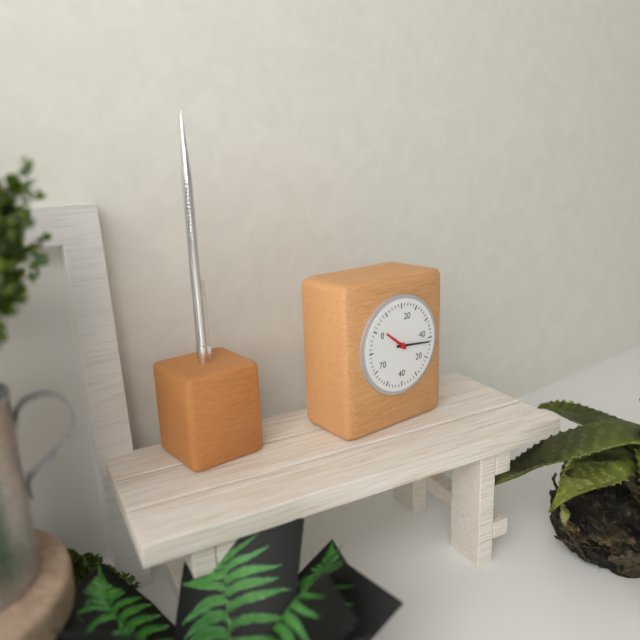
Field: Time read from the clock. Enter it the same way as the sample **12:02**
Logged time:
**10:16**
